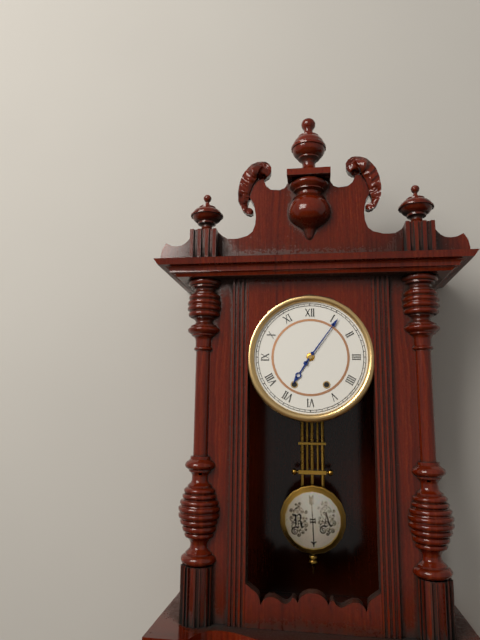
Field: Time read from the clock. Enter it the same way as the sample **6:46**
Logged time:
**7:06**
